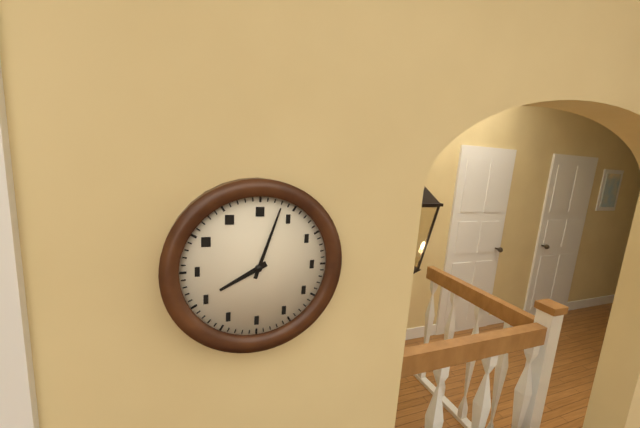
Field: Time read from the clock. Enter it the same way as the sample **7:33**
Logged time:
**8:03**
